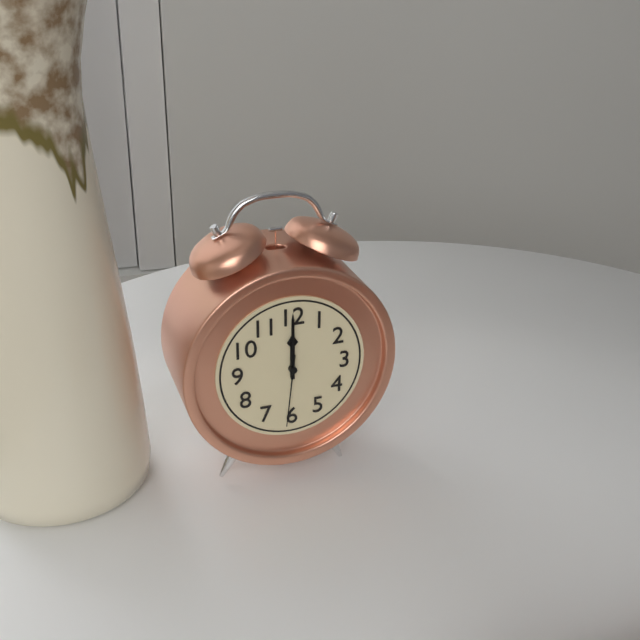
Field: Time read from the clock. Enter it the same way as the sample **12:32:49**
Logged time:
**12:00:31**
